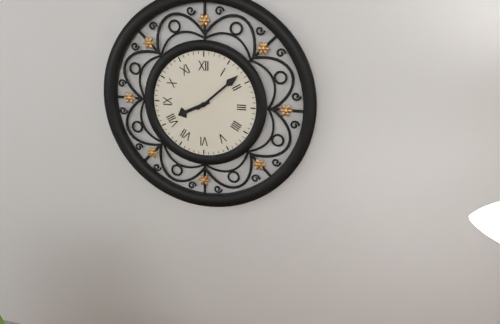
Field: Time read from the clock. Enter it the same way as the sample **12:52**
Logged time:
**8:08**
